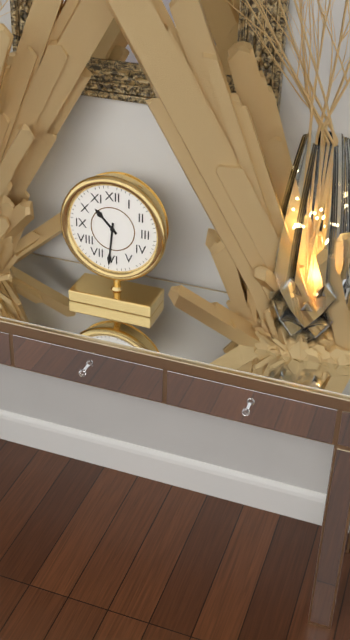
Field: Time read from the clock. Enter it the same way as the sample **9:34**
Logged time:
**10:31**
